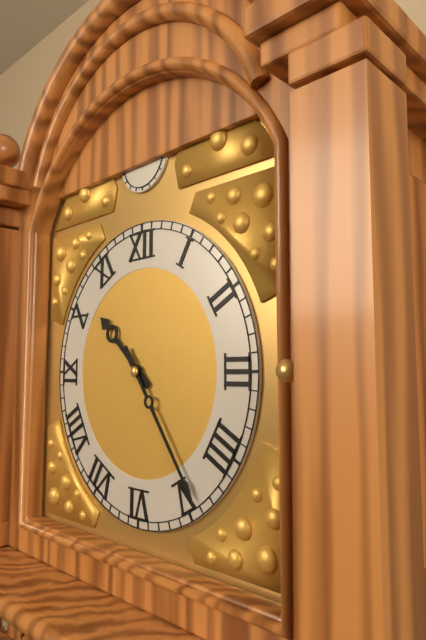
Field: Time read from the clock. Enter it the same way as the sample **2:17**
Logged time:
**10:24**
